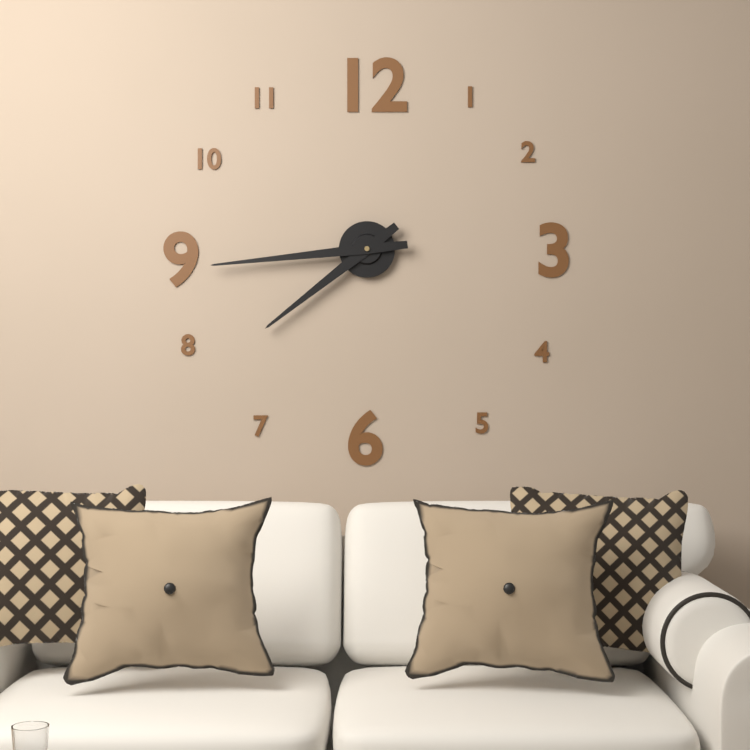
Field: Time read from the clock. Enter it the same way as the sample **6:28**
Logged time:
**7:44**
